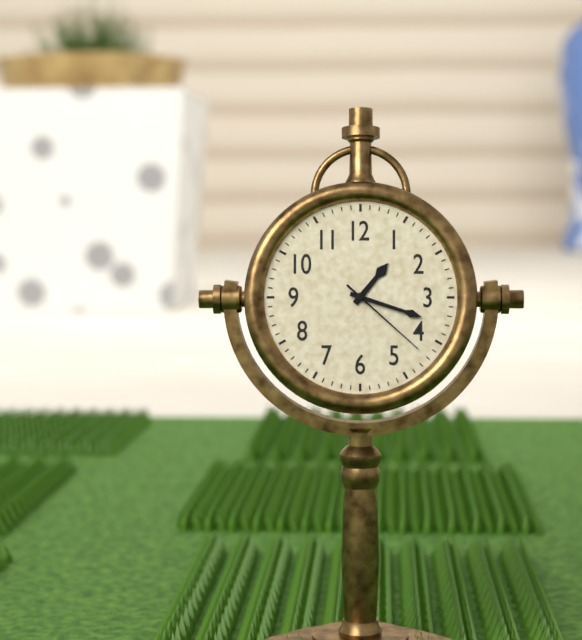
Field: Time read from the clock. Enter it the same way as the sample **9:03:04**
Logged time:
**1:18:22**
